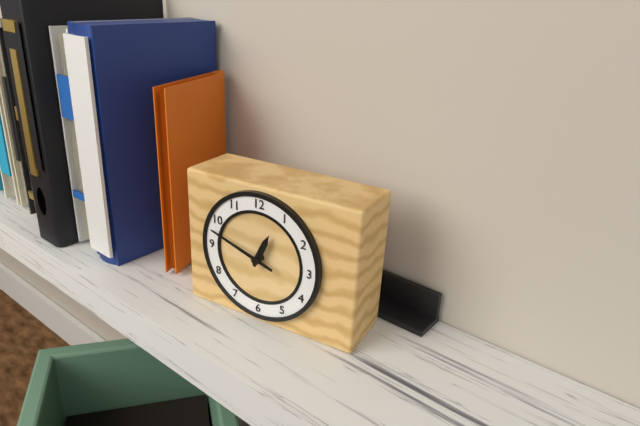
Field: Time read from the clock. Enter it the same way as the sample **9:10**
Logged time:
**12:48**
